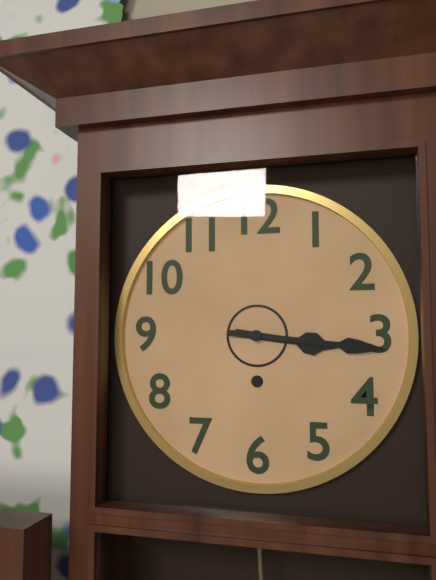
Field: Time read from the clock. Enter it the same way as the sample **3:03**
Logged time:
**3:16**
